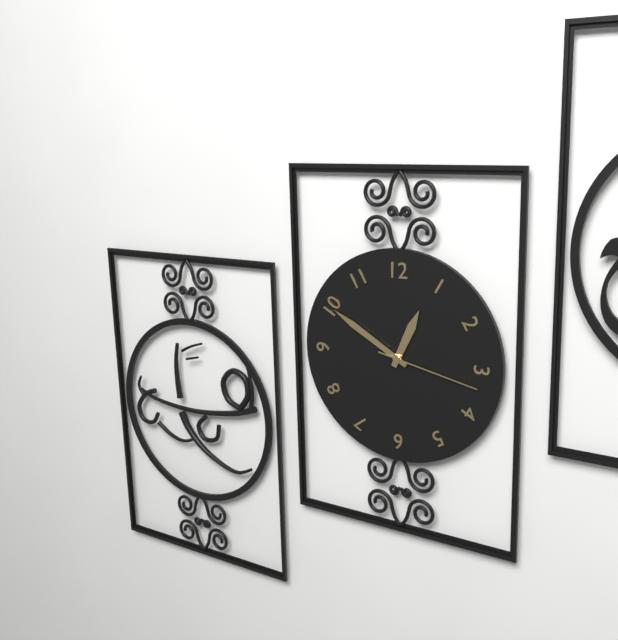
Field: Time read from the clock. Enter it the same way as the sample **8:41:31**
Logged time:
**12:50:17**
